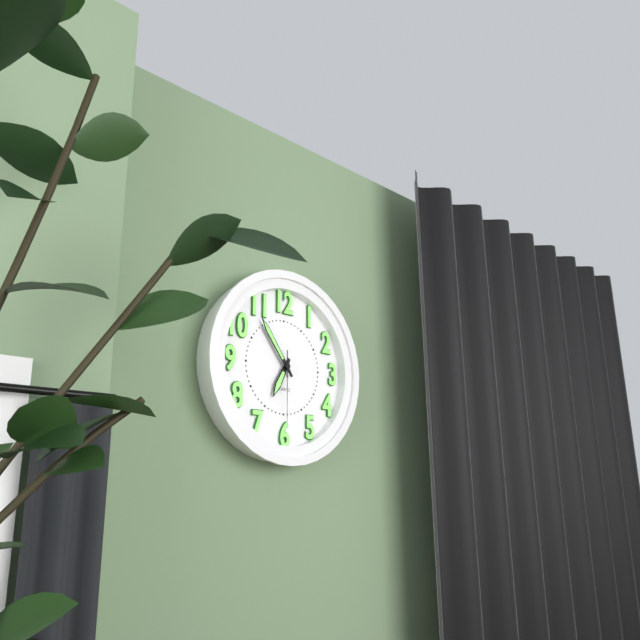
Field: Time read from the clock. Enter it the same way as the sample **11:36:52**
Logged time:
**6:54:30**
